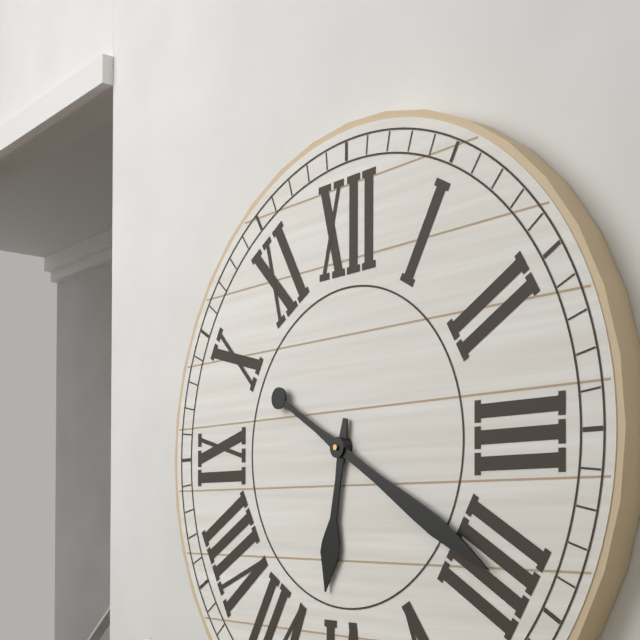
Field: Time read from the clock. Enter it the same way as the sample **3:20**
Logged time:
**6:20**
